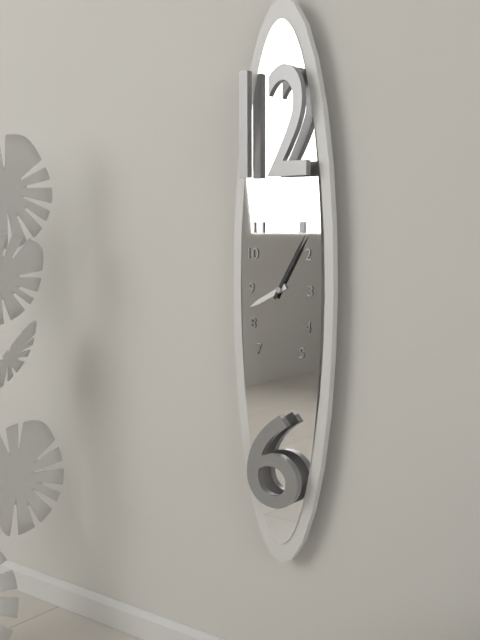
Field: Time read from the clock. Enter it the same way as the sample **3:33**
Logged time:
**8:05**
